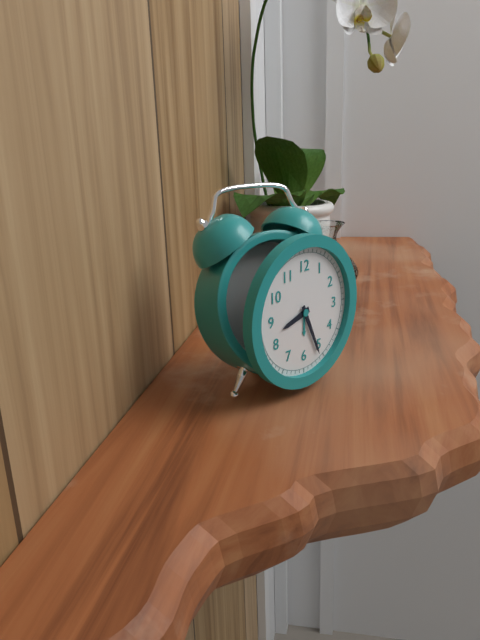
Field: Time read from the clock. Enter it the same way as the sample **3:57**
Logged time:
**8:26**
